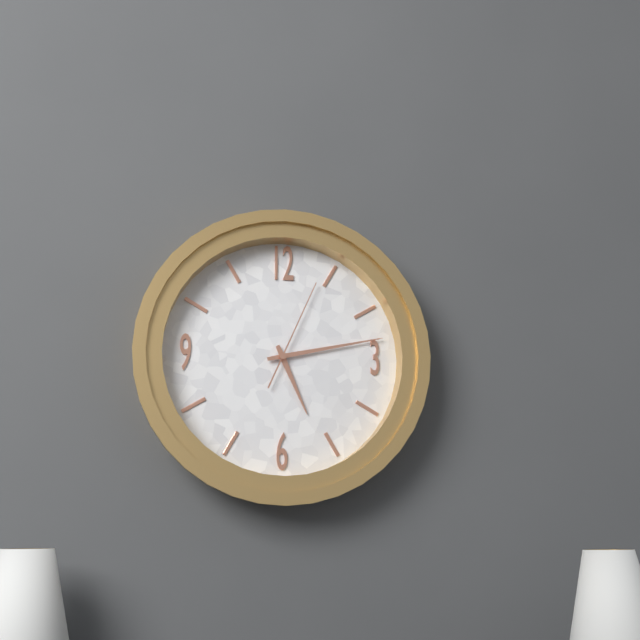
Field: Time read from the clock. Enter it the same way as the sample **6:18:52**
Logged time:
**5:13:04**
